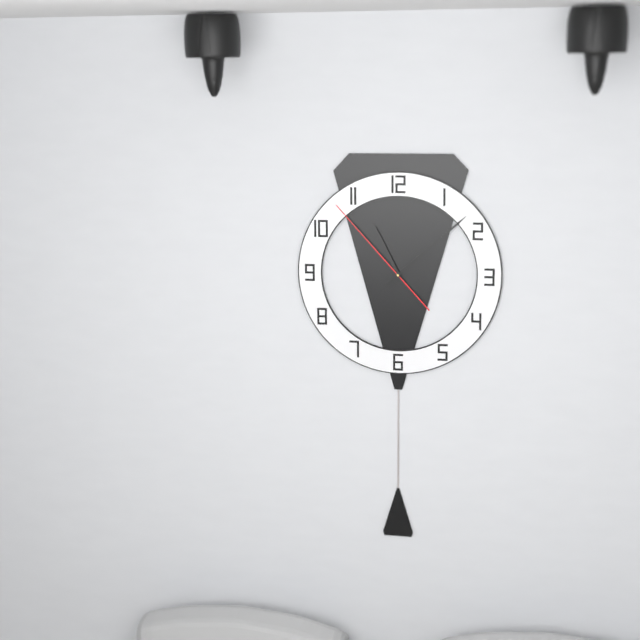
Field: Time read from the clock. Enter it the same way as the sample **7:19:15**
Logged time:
**11:08:53**
